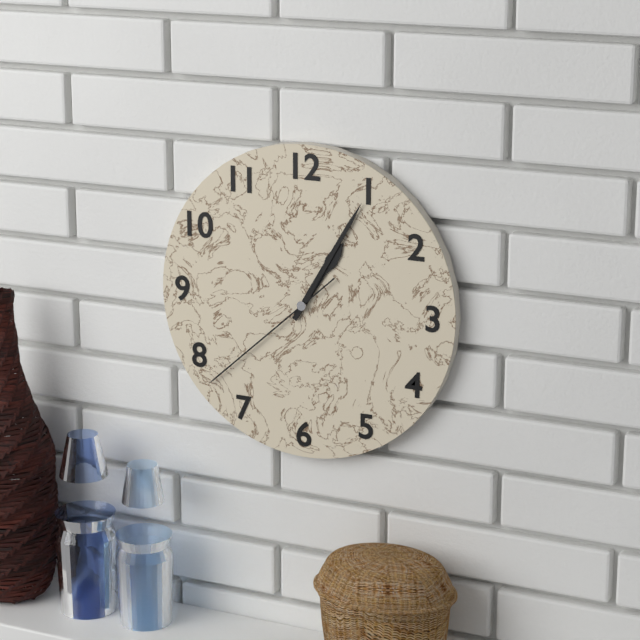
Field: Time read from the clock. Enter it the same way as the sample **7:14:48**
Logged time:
**1:05:38**
